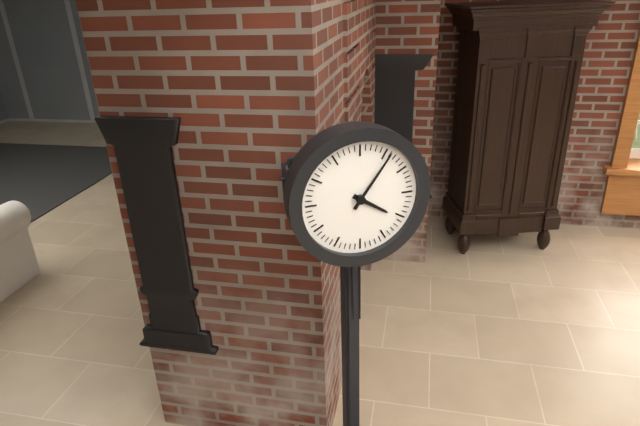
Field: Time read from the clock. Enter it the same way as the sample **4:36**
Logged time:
**4:06**
